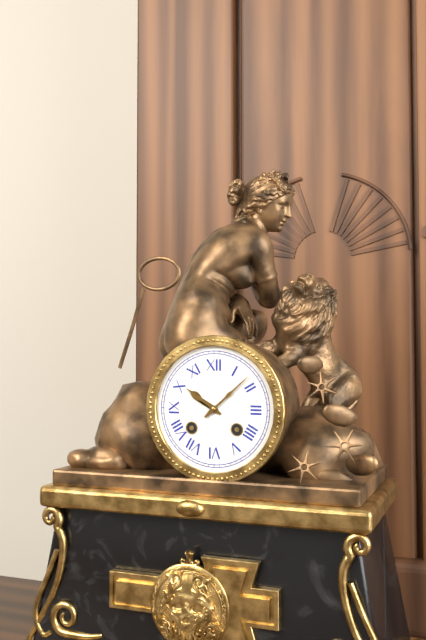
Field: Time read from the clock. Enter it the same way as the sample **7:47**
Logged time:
**10:08**
